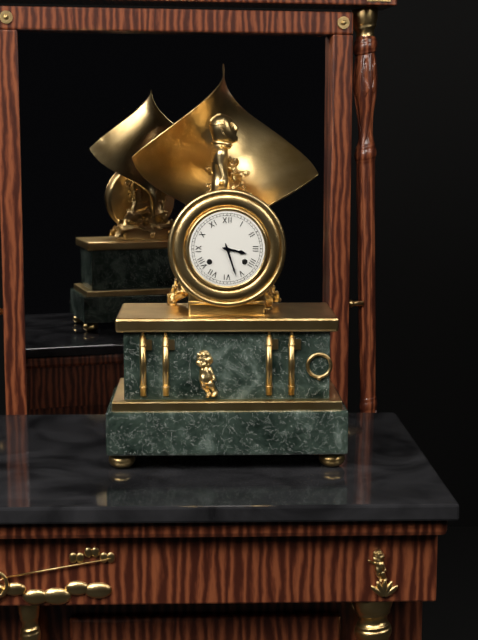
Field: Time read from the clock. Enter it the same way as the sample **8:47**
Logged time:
**3:27**
